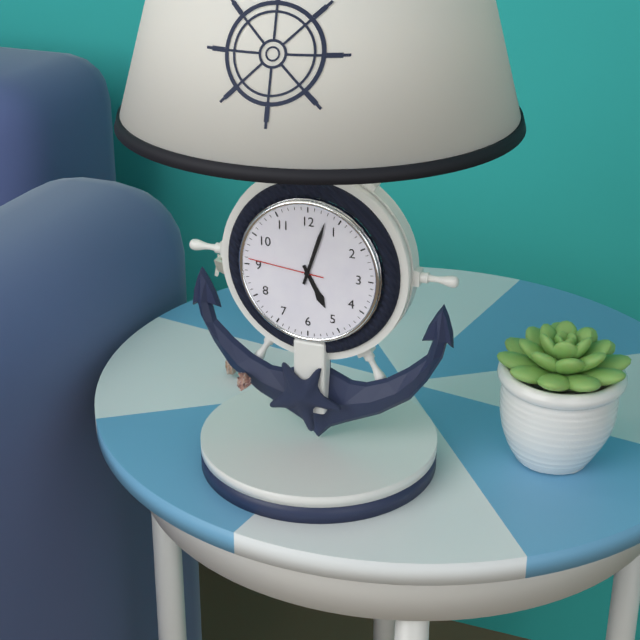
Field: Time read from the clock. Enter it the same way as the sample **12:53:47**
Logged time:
**5:03:46**
